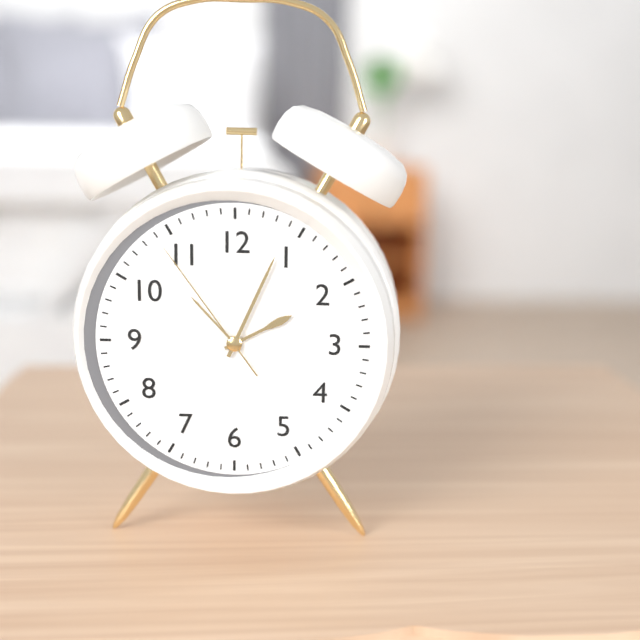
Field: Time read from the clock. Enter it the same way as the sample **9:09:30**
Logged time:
**2:04:54**
